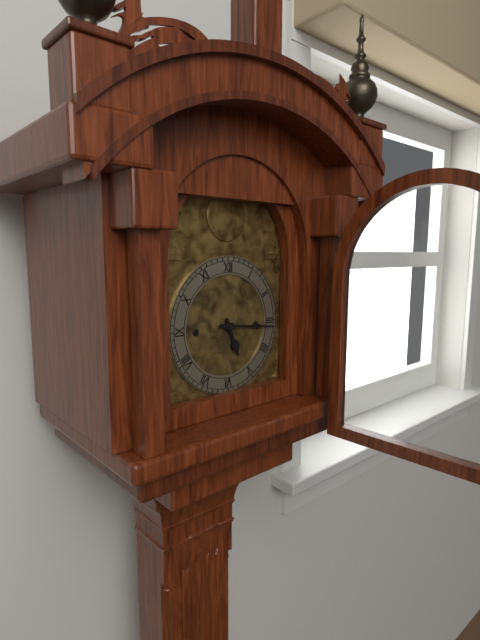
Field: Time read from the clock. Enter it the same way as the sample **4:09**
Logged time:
**5:16**
